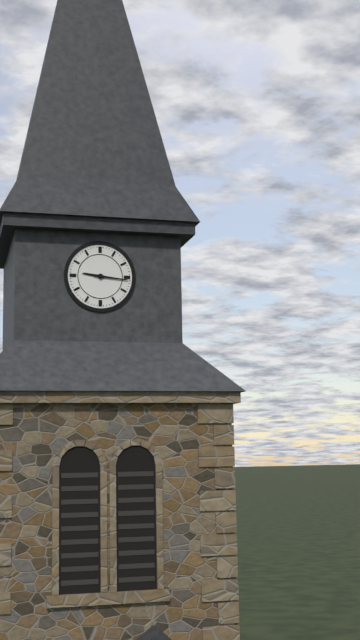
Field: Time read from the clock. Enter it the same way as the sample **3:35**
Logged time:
**9:16**
